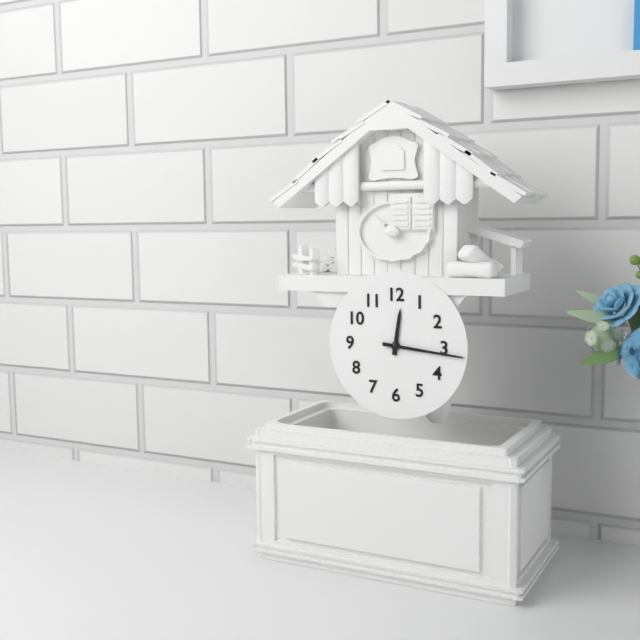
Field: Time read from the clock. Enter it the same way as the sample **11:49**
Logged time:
**12:16**
